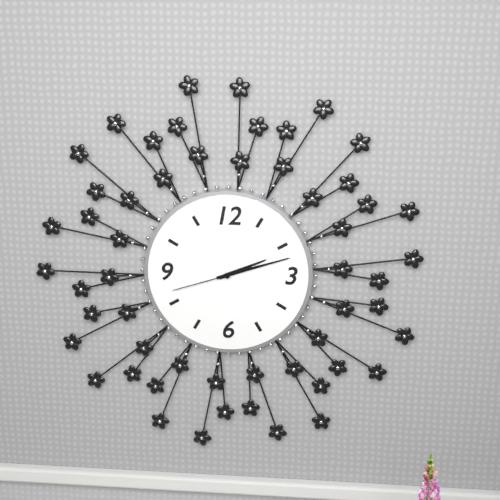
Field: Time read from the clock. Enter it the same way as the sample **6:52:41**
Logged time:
**2:12:42**
